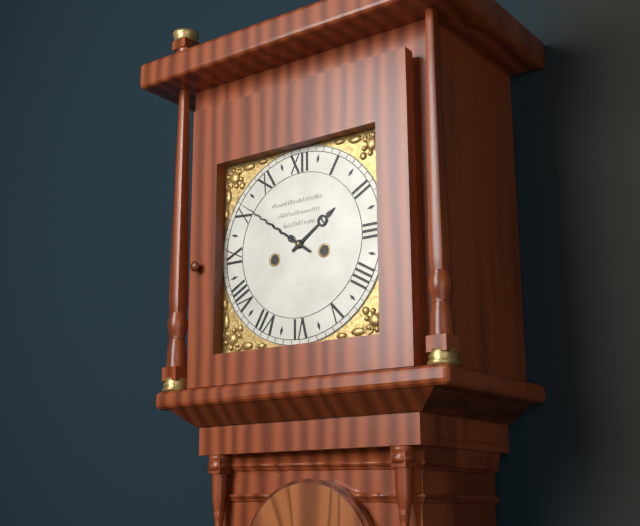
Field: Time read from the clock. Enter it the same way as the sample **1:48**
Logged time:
**1:51**
